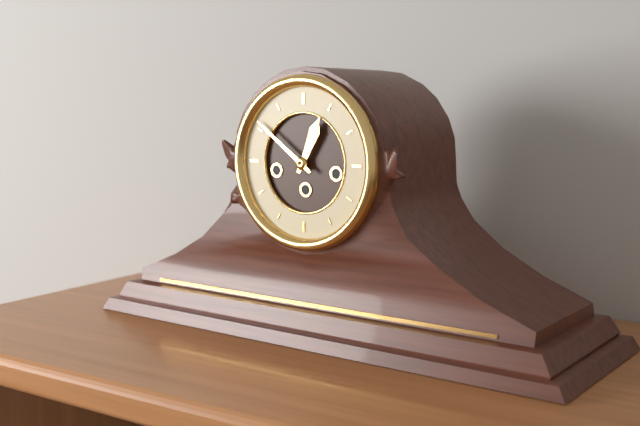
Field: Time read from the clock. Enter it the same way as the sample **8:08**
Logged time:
**12:51**
